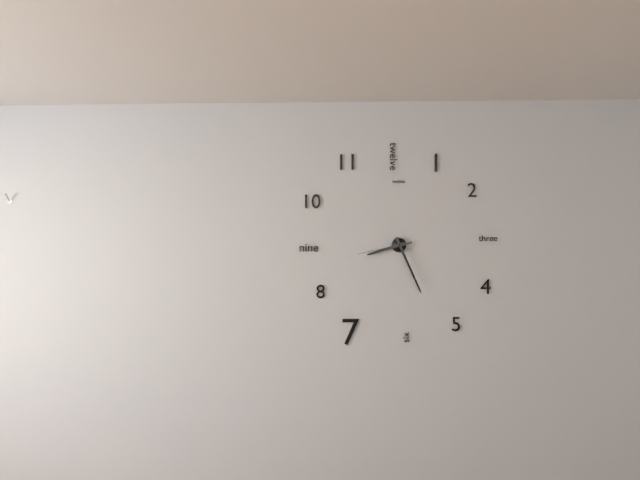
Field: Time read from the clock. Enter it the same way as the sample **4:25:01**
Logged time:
**8:26:43**
